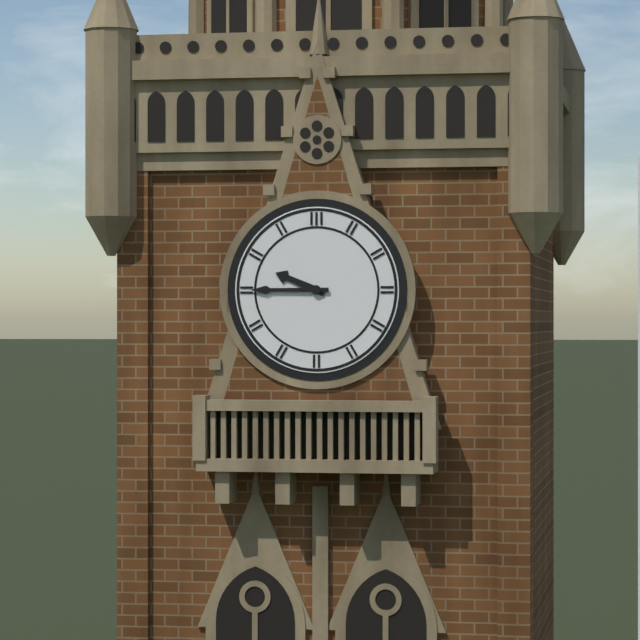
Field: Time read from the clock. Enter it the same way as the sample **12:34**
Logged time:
**9:45**
